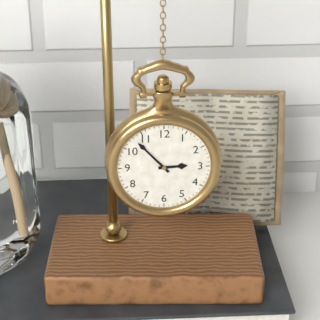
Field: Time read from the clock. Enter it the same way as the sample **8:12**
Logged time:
**2:53**
